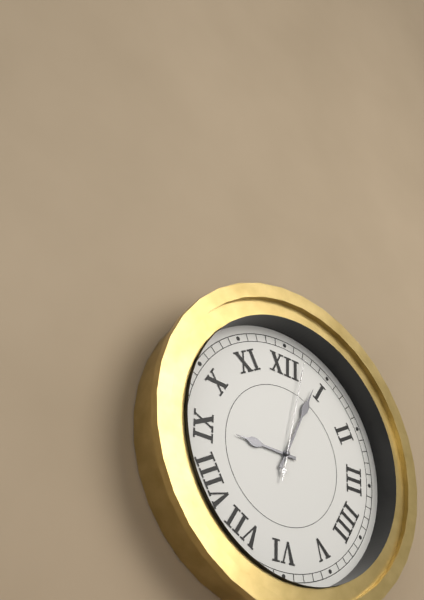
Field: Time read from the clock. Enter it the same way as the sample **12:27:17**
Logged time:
**9:04:02**
